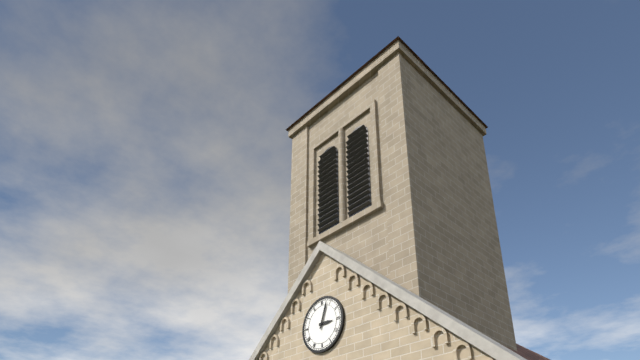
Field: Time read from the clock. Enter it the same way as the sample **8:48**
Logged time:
**3:03**
